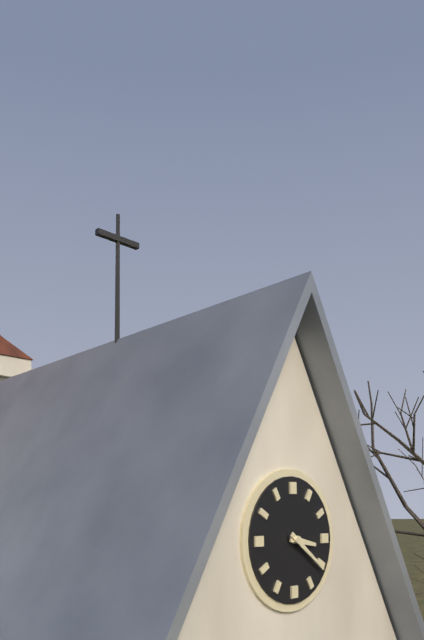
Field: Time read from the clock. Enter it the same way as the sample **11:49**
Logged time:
**3:21**
